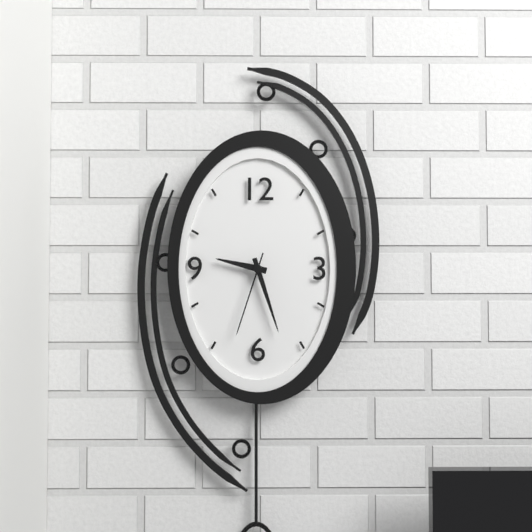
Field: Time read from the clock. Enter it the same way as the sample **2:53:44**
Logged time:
**9:27:33**
